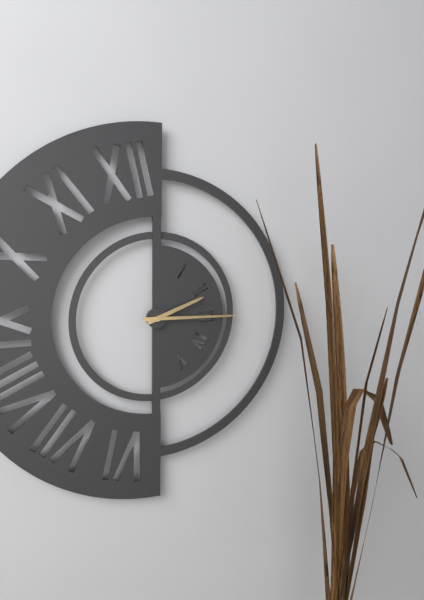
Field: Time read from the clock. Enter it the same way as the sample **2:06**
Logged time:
**2:15**
